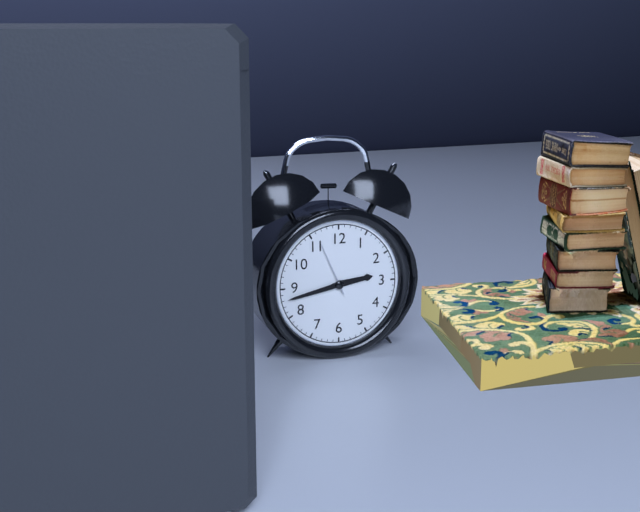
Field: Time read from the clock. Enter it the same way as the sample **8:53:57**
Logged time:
**2:43:56**
